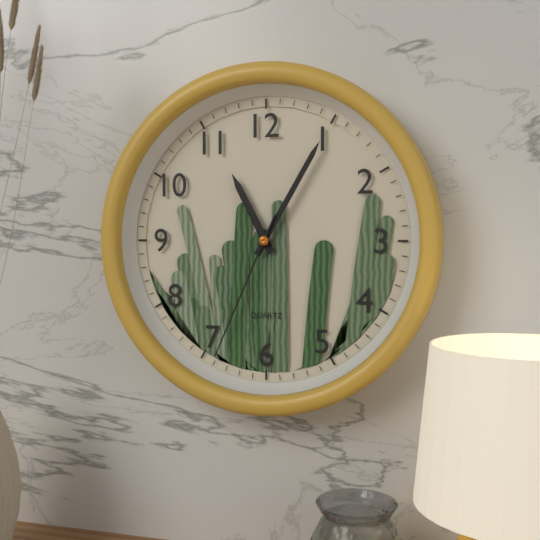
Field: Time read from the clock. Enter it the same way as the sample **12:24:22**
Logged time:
**11:05:34**
